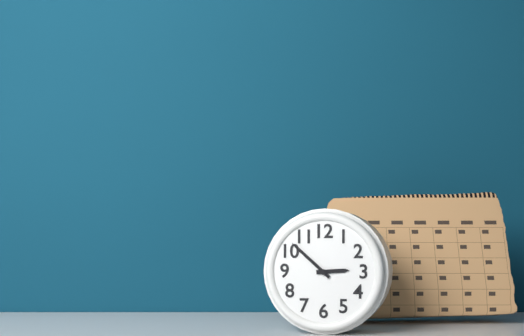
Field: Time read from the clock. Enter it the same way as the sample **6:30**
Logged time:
**2:52**
